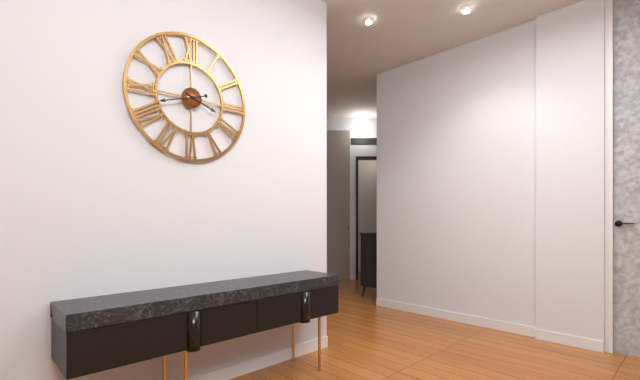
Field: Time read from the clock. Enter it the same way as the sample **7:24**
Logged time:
**3:42**
